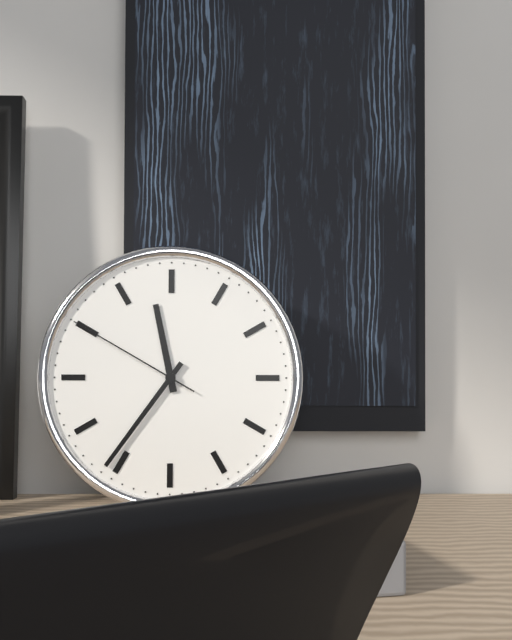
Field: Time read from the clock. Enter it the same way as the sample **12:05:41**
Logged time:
**11:36:50**
